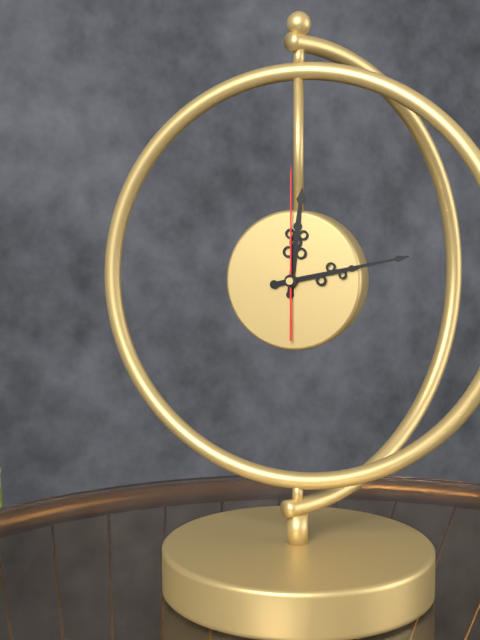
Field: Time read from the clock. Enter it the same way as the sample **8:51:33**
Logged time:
**12:13:00**
